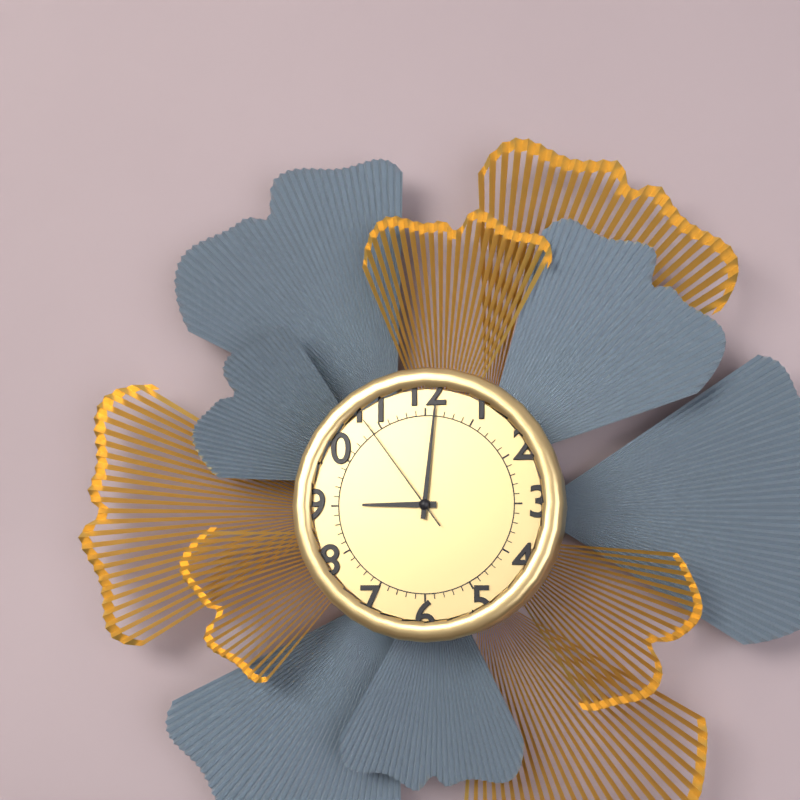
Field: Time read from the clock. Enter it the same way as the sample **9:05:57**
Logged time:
**9:01:54**
